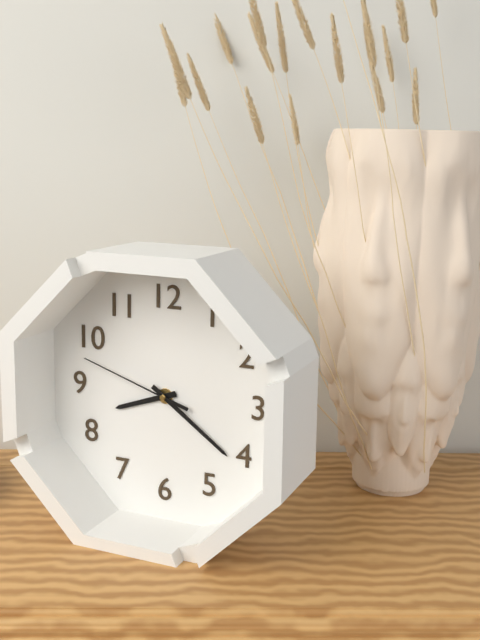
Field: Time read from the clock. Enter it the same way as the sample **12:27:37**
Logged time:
**8:21:48**
